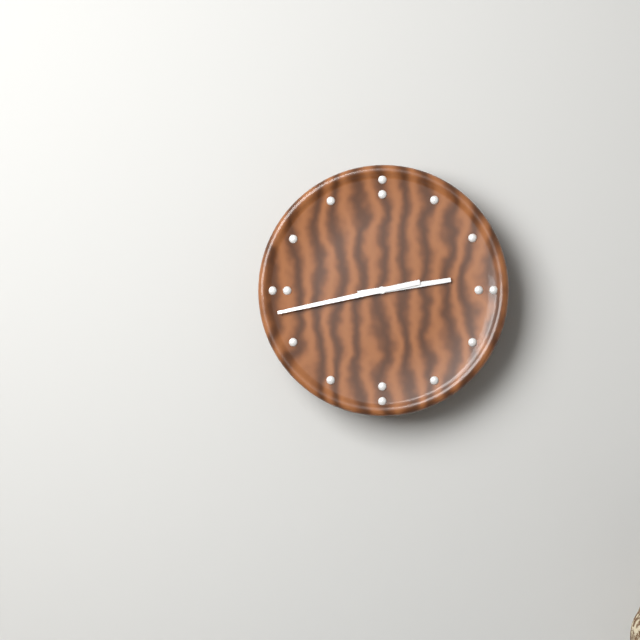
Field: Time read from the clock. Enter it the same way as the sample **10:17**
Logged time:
**2:43**
